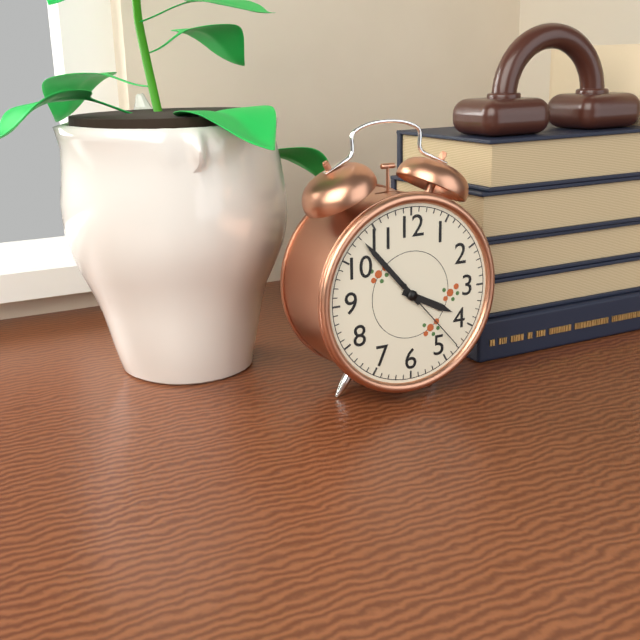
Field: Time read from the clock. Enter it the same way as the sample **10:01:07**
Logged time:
**3:53:23**
